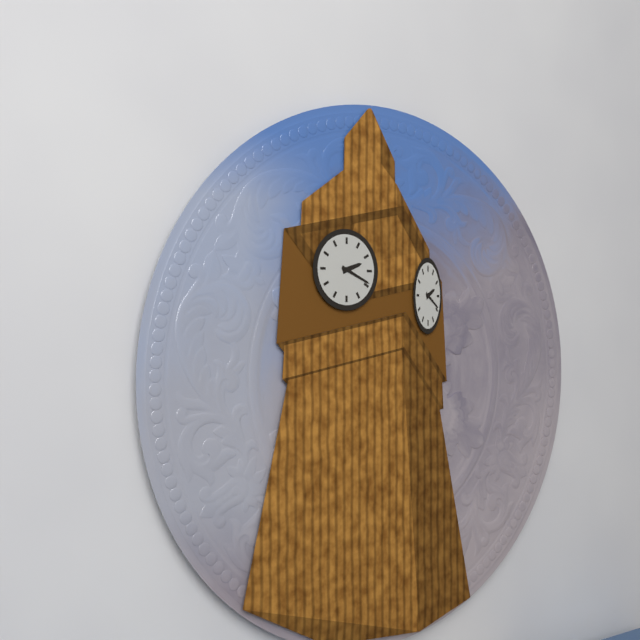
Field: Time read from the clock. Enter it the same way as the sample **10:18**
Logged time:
**2:19**
